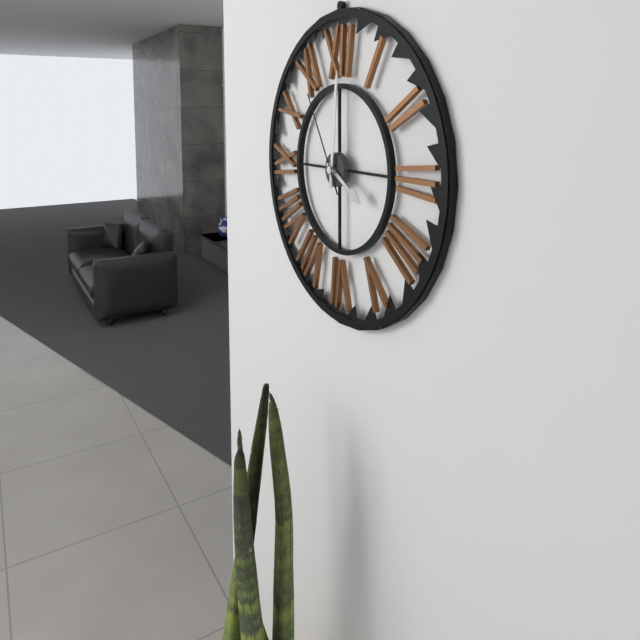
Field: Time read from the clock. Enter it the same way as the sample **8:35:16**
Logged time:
**4:01:55**
